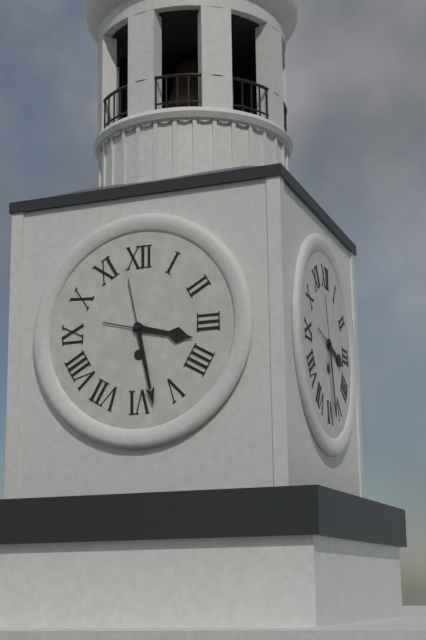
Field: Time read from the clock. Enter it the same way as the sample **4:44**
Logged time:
**3:28**
